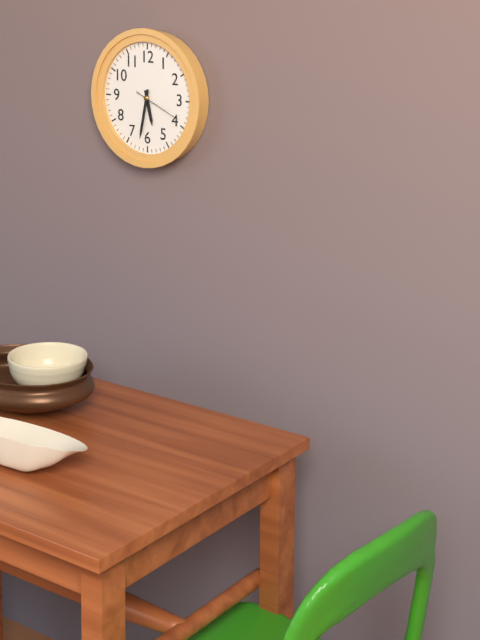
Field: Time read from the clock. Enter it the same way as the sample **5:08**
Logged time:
**5:32**
